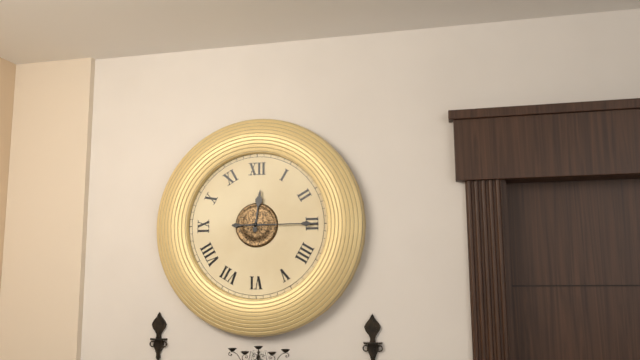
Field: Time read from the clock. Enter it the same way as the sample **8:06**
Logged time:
**12:15**
